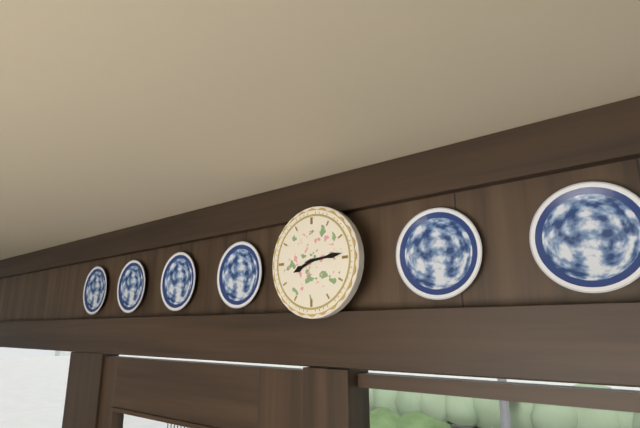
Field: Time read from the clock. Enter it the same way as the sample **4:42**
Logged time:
**8:14**
